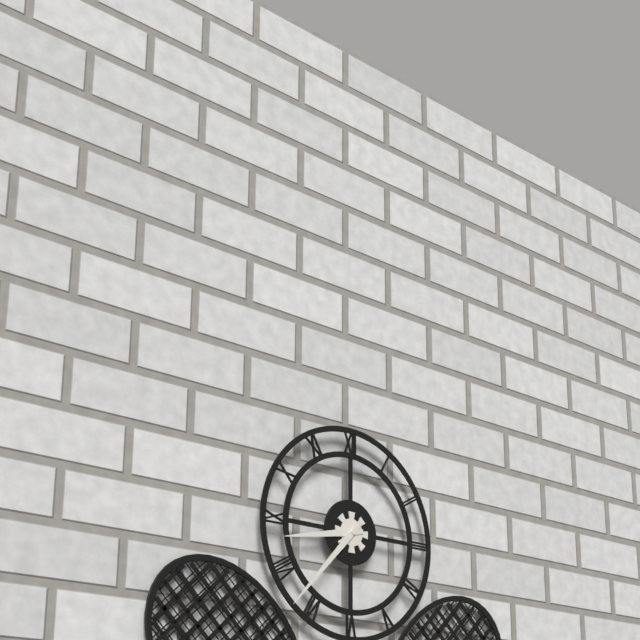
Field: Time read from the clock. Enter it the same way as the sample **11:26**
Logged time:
**8:37**
